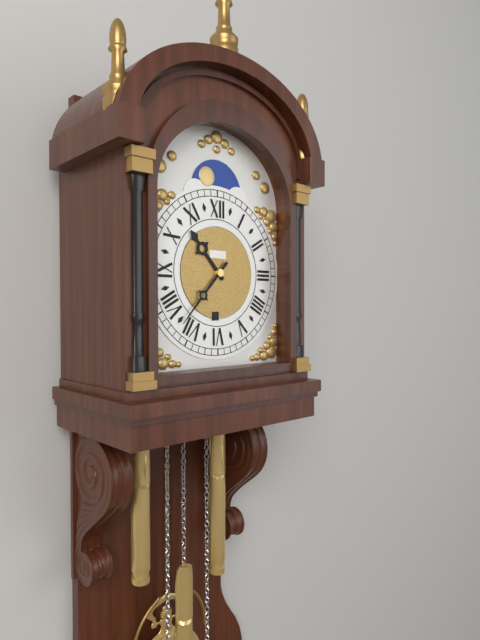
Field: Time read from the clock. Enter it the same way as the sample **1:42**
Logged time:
**10:37**
